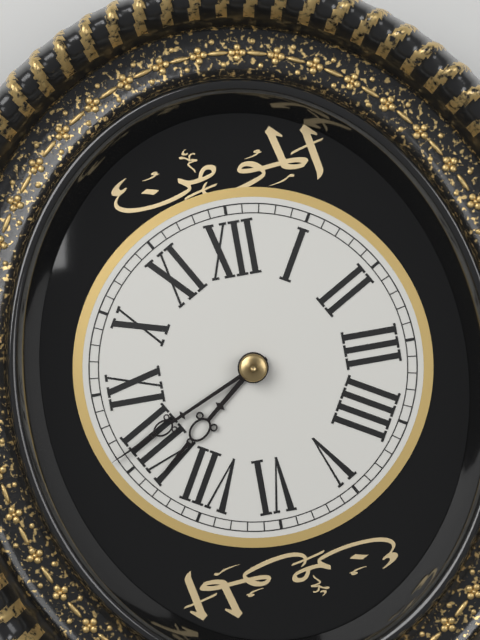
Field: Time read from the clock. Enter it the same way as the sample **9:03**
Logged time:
**7:41**
